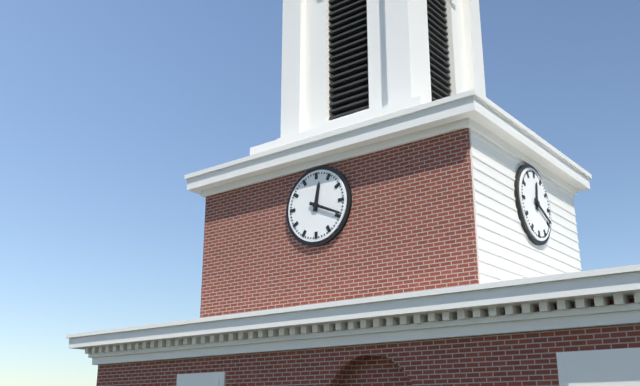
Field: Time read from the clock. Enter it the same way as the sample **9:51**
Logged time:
**12:19**
